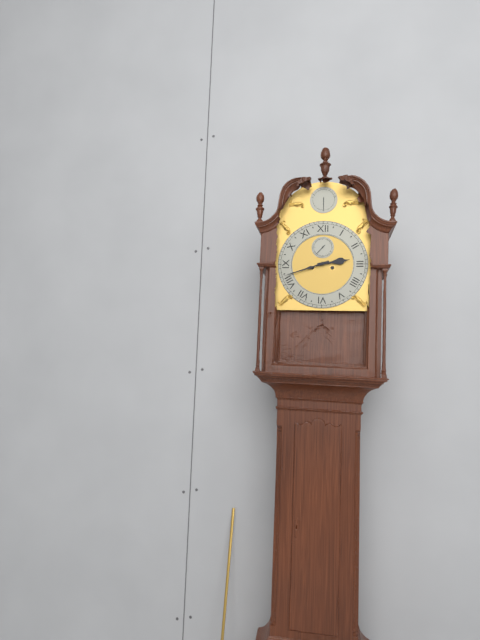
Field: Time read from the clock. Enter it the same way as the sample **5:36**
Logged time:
**2:42**
